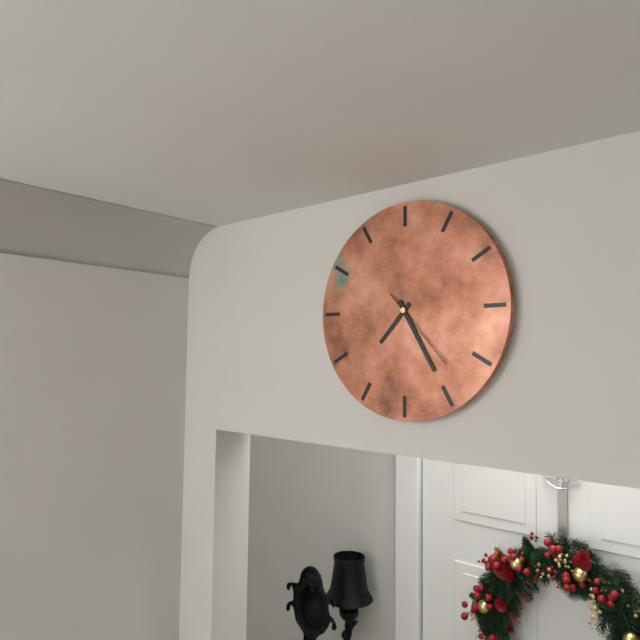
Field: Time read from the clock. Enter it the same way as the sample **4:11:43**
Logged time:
**7:25:23**
